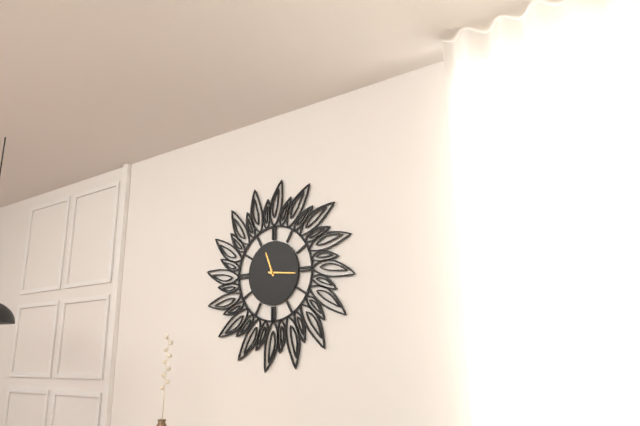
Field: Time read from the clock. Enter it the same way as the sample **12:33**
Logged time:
**11:16**
